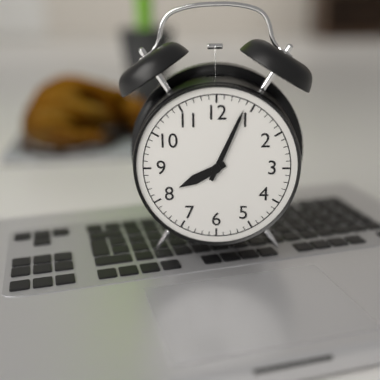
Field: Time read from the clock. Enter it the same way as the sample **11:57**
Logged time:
**8:04**
